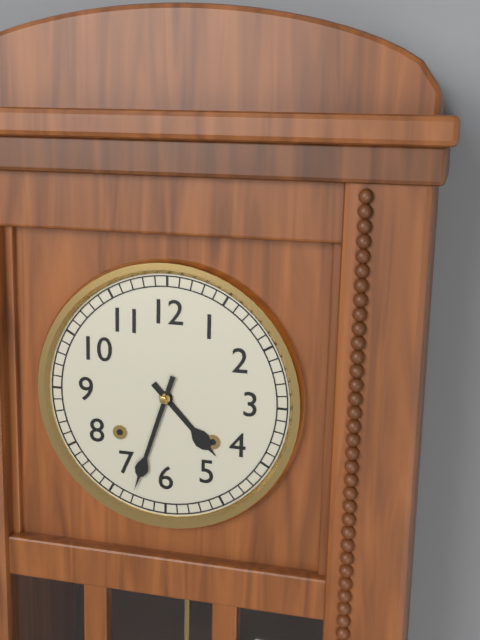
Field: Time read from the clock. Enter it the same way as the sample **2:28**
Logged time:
**4:33**
